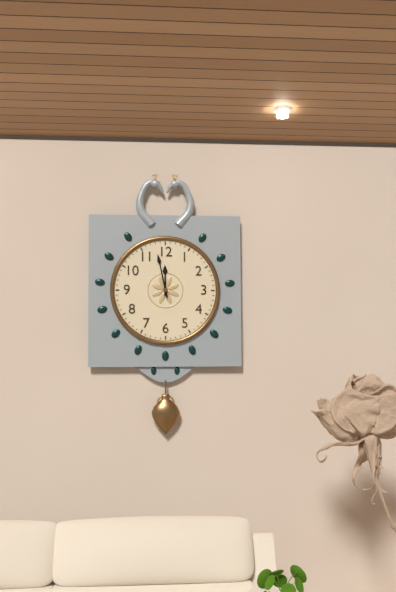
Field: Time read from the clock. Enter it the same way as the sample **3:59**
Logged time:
**11:58**
